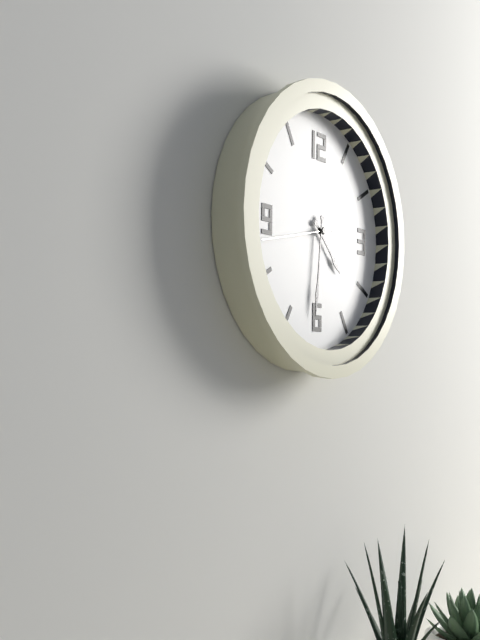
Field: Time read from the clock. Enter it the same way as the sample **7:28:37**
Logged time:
**4:31:43**
